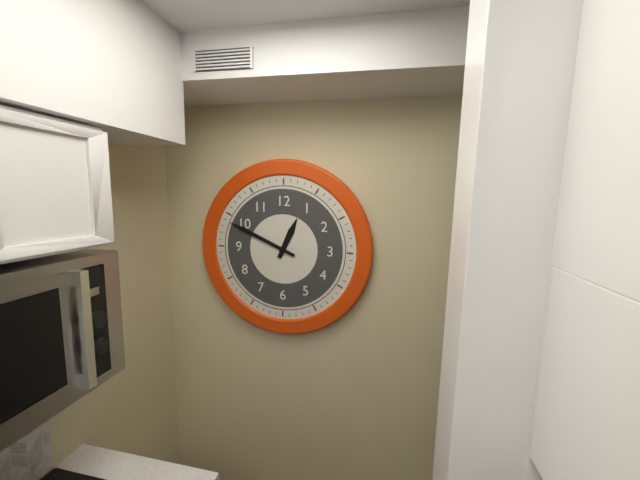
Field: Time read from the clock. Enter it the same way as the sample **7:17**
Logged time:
**12:49**
